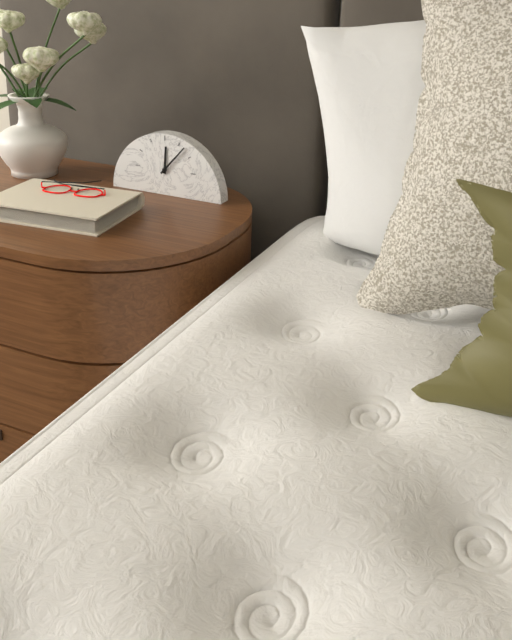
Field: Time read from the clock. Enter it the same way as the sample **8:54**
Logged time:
**12:07**
